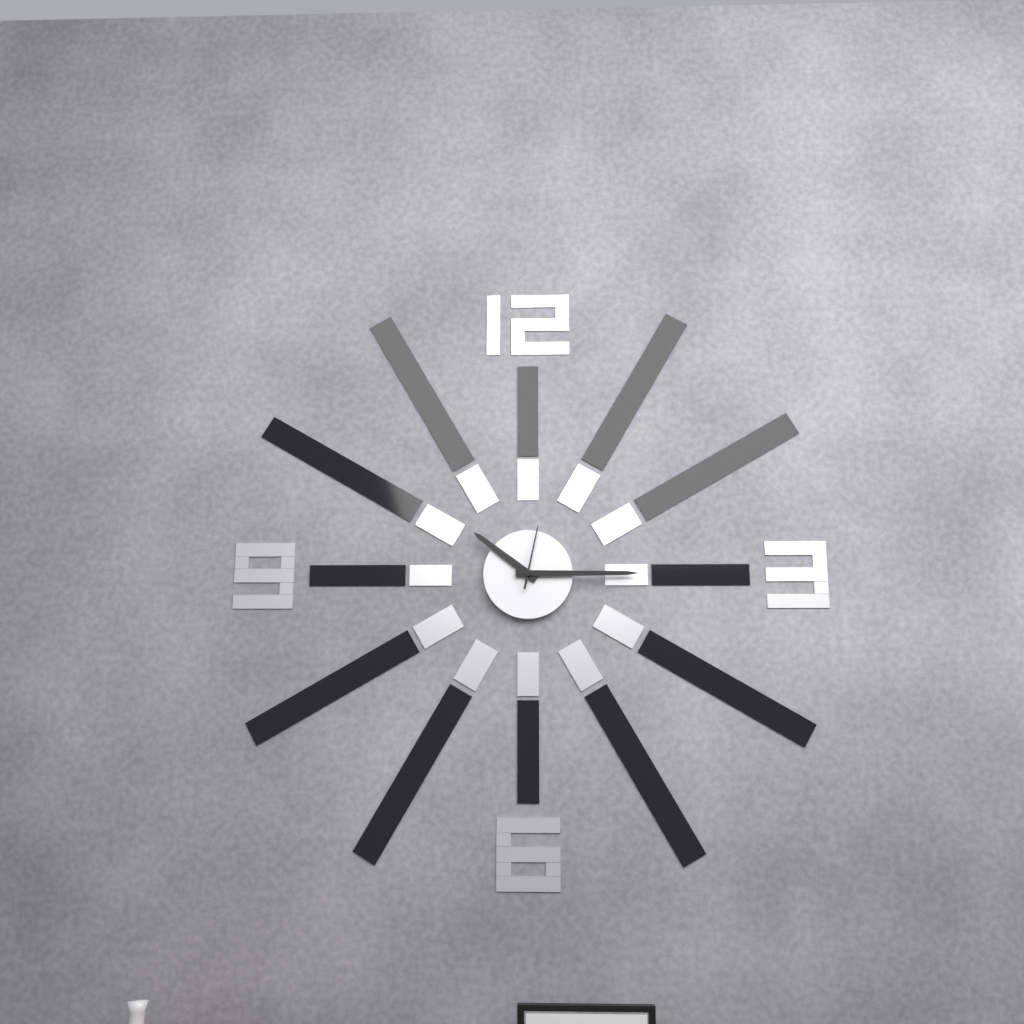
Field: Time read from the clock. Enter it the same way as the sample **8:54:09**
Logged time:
**10:15:02**
